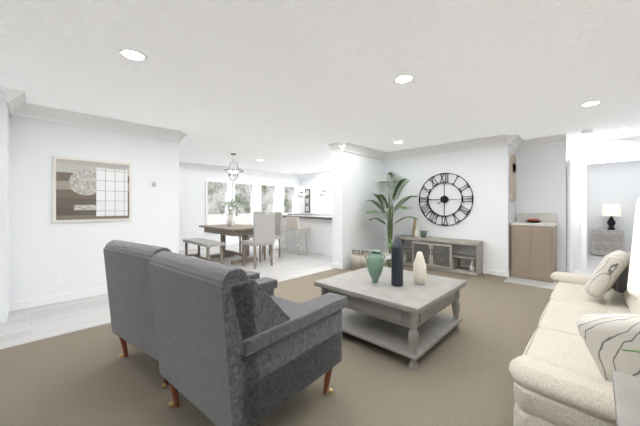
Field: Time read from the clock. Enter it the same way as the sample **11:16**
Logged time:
**7:45**
